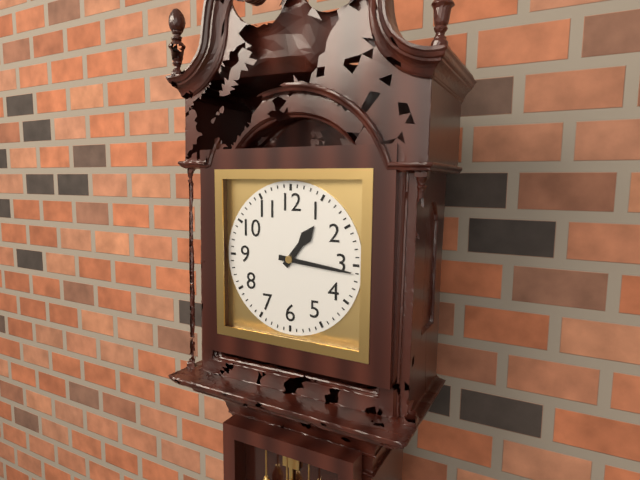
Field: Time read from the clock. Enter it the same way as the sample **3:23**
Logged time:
**1:16**
